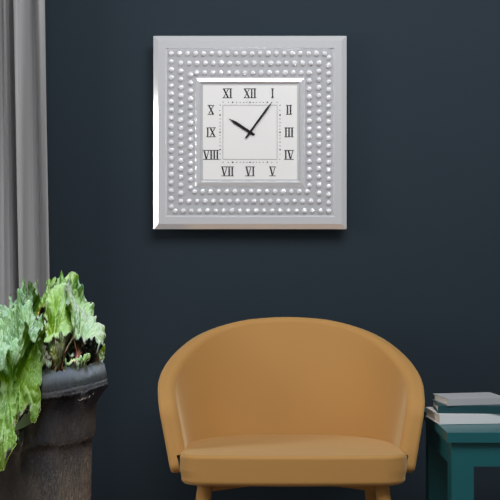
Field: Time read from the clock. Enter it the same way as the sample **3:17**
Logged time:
**10:06**
